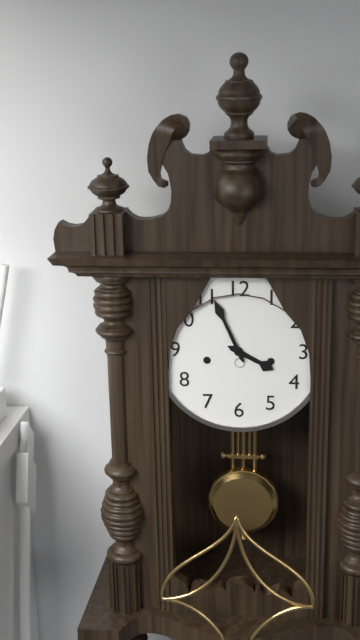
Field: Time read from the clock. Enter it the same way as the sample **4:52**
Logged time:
**3:56**
